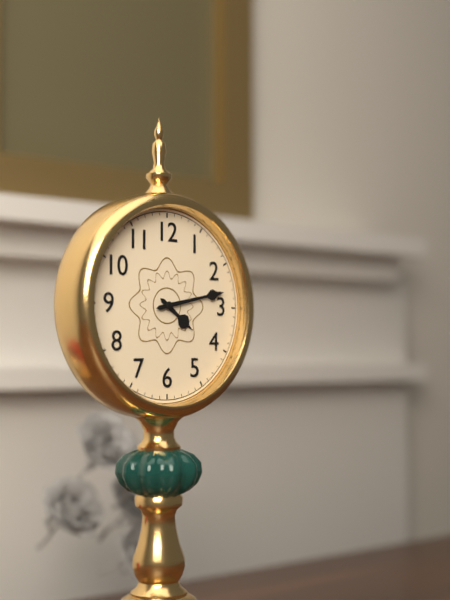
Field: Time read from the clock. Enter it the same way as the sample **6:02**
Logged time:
**4:13**
